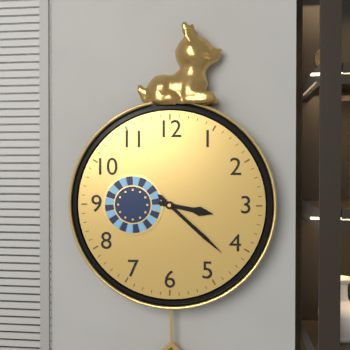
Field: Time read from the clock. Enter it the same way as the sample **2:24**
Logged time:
**3:22**
